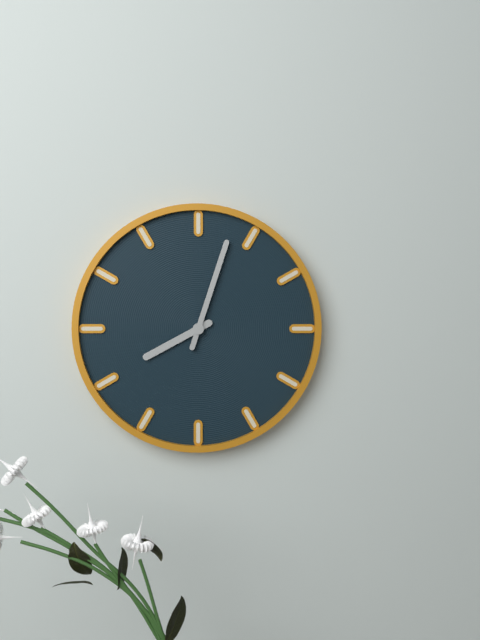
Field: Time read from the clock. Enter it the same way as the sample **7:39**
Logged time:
**8:03**
